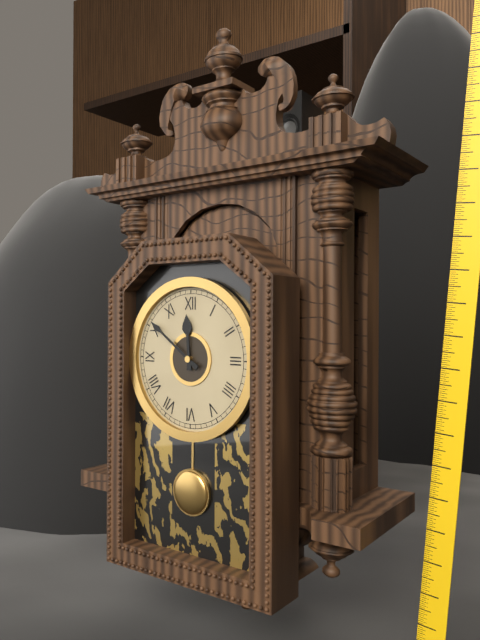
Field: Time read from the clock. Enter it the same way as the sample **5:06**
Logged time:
**11:51**
